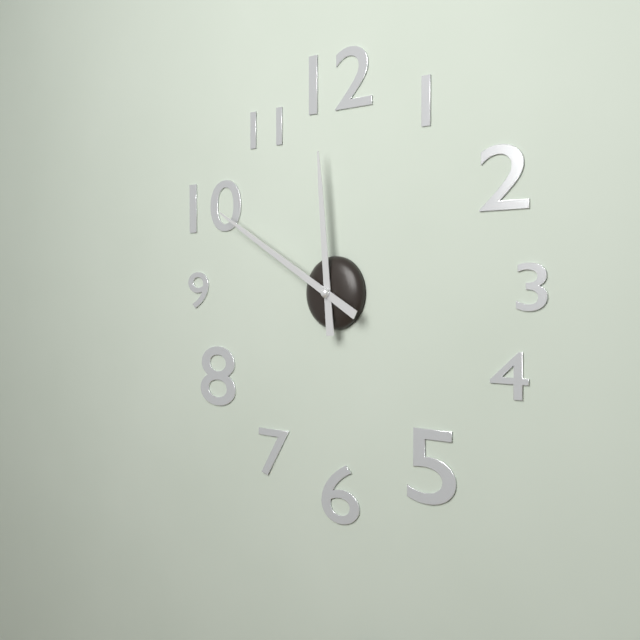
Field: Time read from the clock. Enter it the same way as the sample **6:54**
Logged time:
**11:50**
